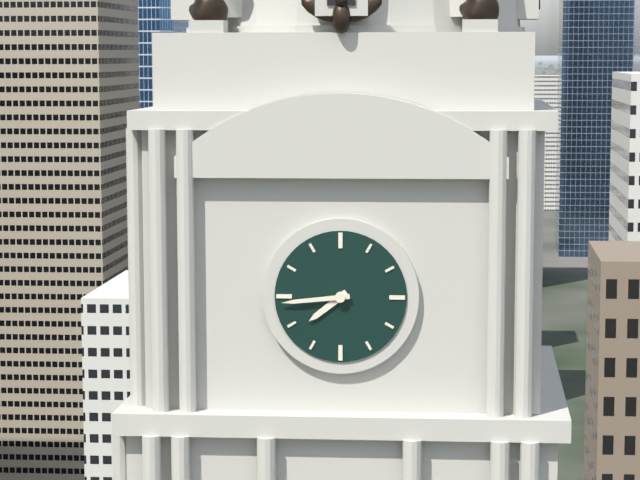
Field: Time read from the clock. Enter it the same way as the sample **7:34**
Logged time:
**7:44**
